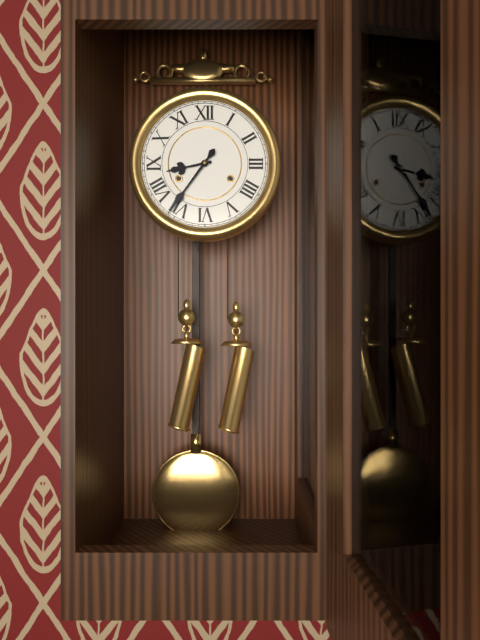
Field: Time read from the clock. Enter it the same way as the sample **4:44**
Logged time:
**8:36**
